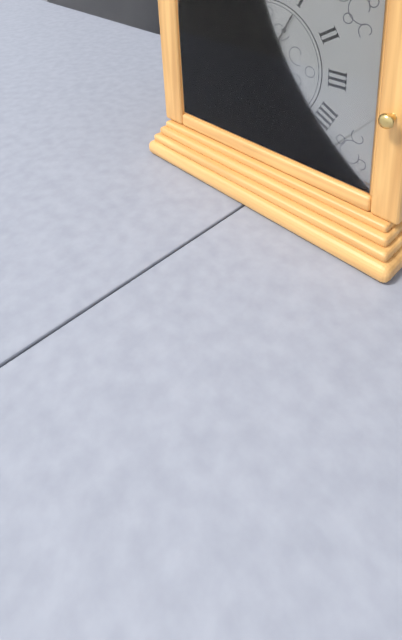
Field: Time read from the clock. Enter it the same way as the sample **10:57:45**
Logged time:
**10:05:24**
